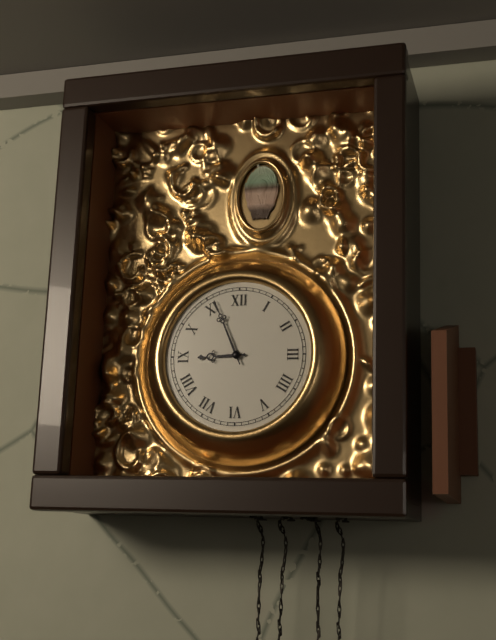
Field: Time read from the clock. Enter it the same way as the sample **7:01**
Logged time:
**8:56**
